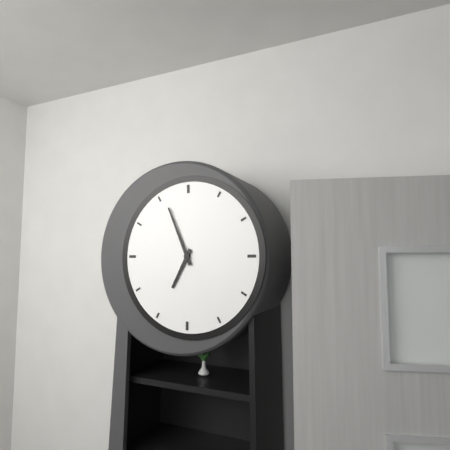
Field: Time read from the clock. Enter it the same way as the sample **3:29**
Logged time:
**6:56**
